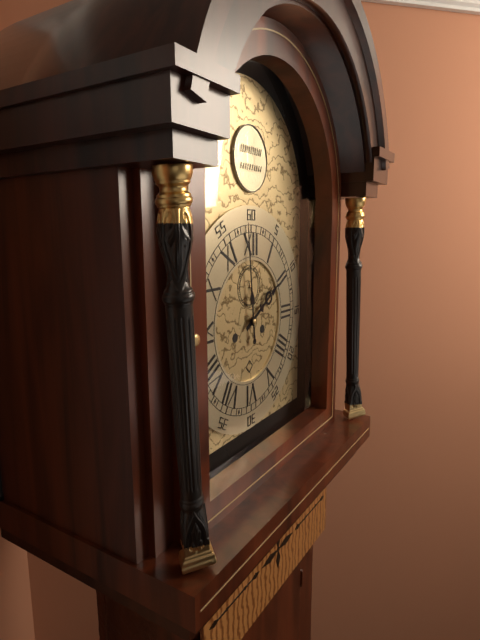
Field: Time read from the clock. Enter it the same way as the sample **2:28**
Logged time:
**1:59**
